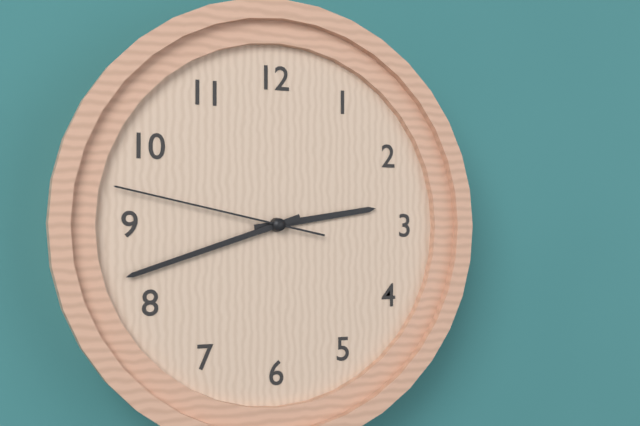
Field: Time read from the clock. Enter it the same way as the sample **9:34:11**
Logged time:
**2:42:47**
